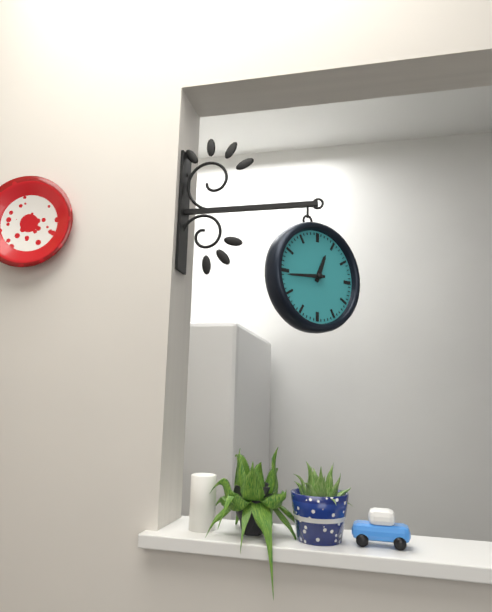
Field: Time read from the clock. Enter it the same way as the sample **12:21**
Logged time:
**12:44**
